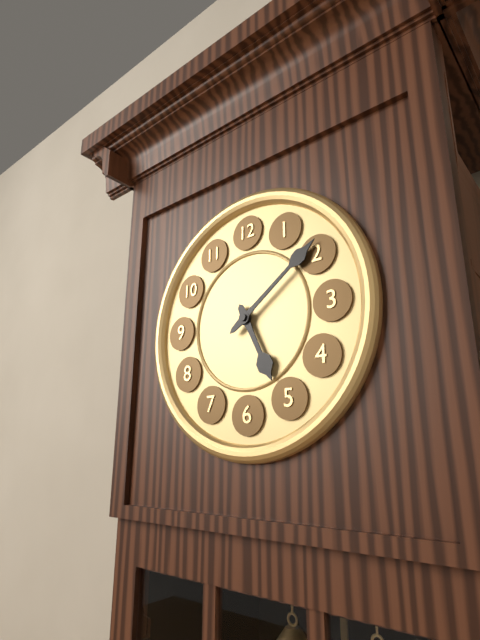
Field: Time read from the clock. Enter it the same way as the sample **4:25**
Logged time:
**5:09**
